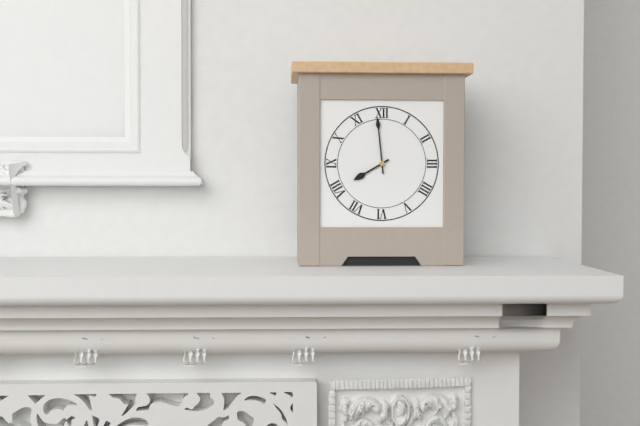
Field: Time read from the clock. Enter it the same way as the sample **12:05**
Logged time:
**7:59**
